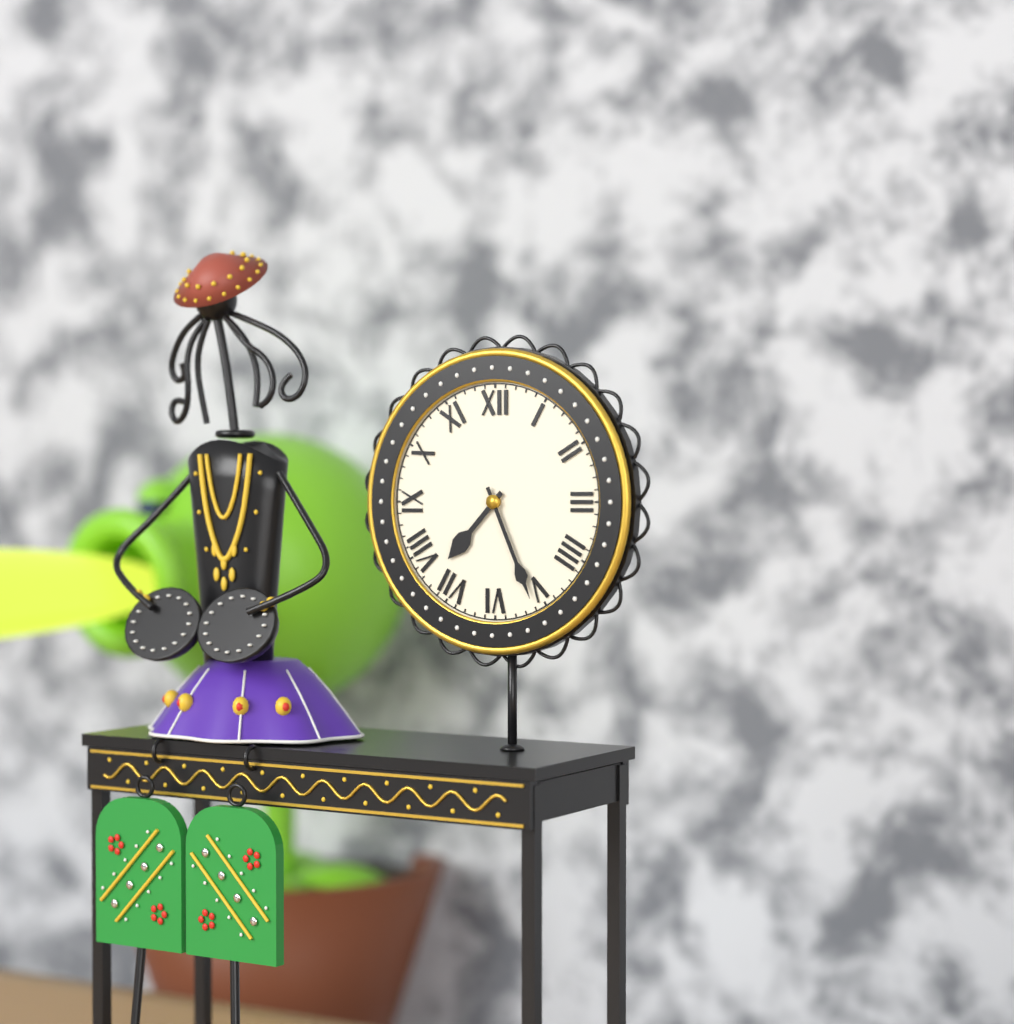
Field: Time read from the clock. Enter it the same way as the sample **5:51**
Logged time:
**7:26**
